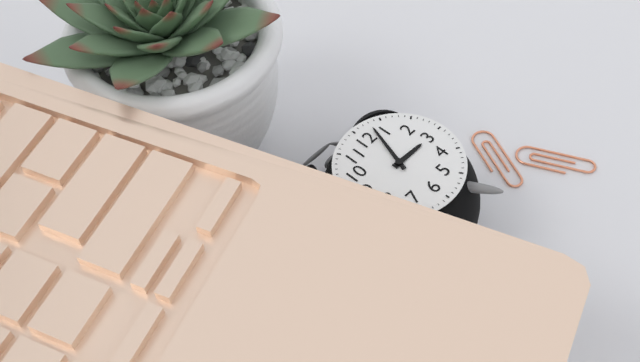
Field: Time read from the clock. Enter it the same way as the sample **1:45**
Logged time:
**3:03**
